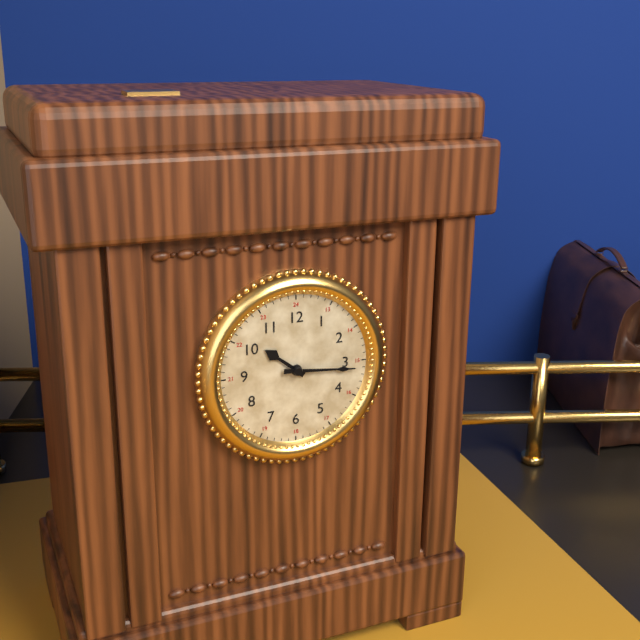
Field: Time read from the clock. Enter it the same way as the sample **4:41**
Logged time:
**10:16**
